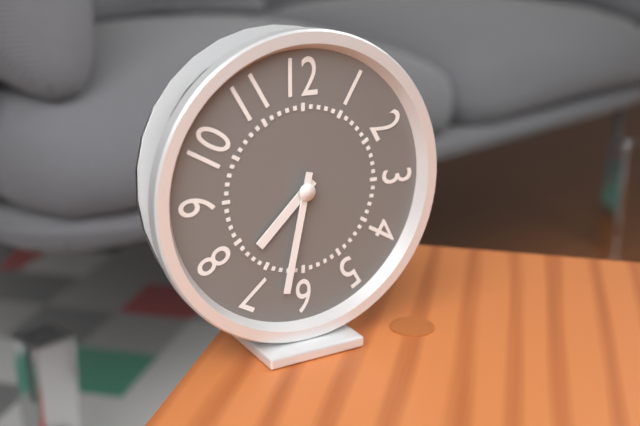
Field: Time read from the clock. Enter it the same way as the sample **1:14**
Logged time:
**7:32**
